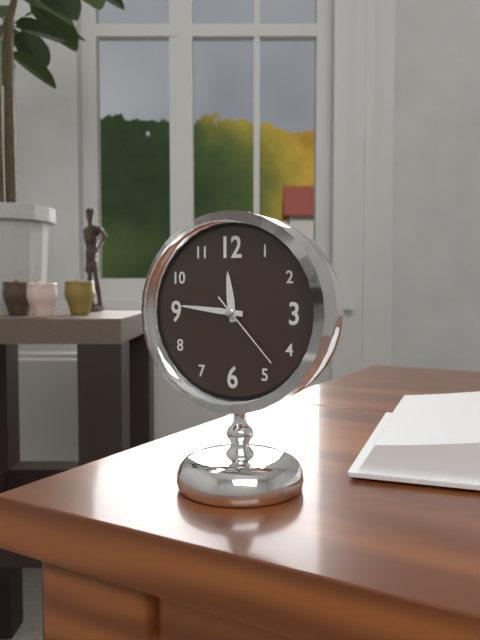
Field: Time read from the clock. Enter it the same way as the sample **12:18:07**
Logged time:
**11:46:23**
